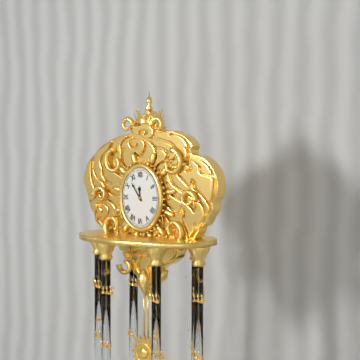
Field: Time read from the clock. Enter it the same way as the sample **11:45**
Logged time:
**11:54**
